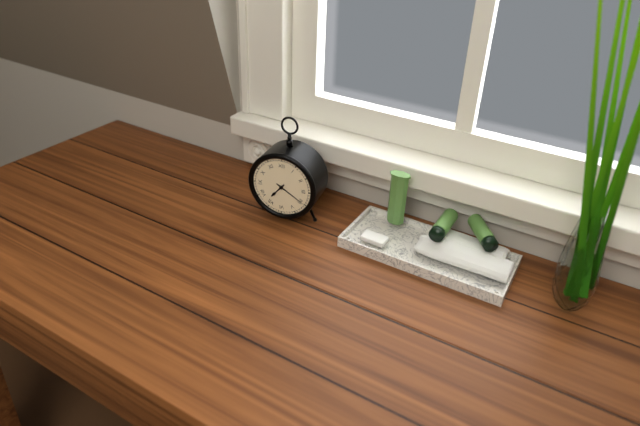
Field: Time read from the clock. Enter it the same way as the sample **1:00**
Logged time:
**7:20**
